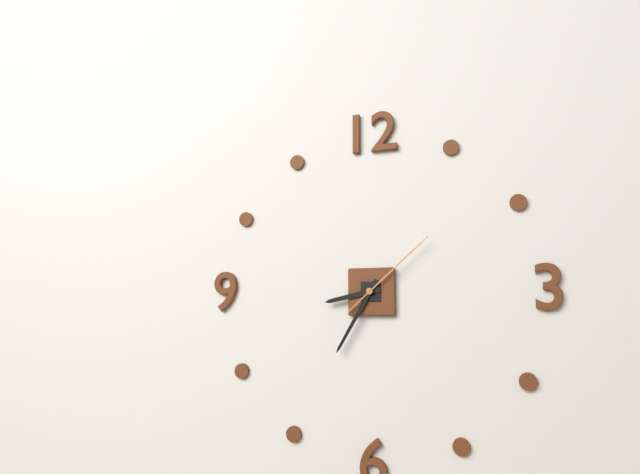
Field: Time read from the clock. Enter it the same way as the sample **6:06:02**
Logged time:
**8:35:08**
